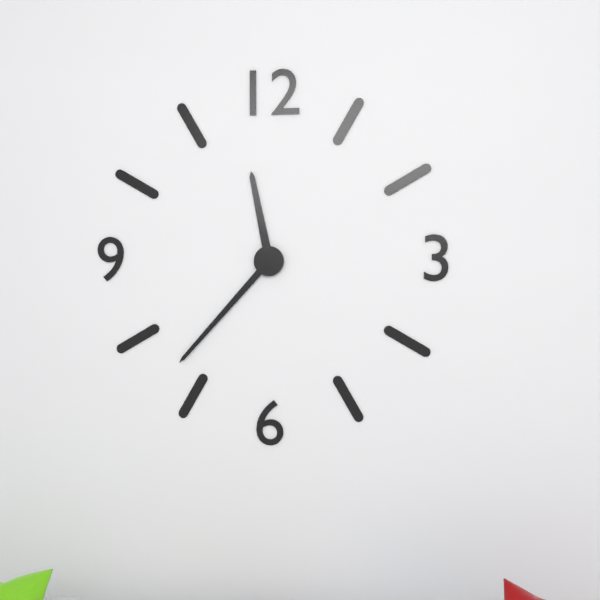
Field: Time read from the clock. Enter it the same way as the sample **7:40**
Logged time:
**11:37**
